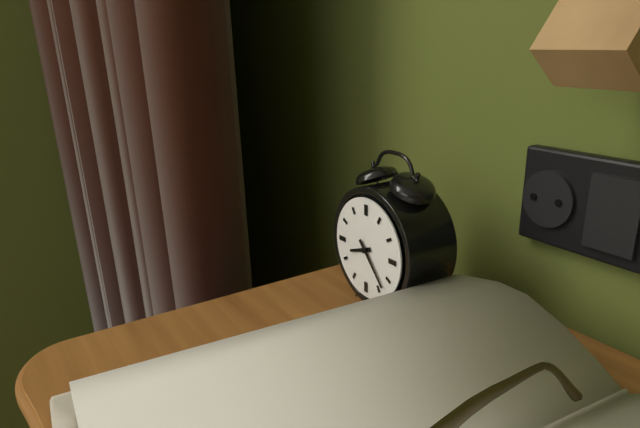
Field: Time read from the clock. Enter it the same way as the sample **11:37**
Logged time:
**8:23**
